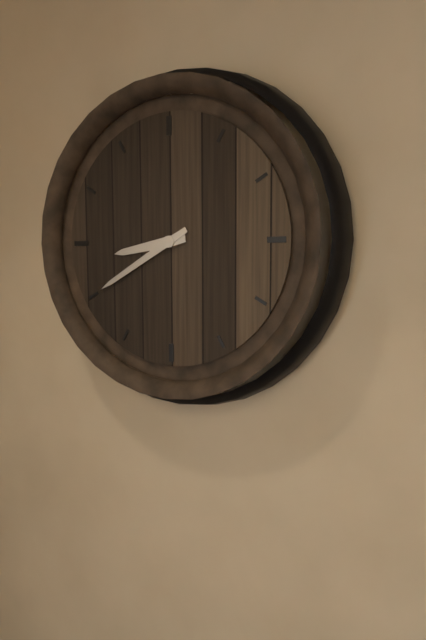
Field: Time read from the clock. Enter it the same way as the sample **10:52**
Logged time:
**8:40**
